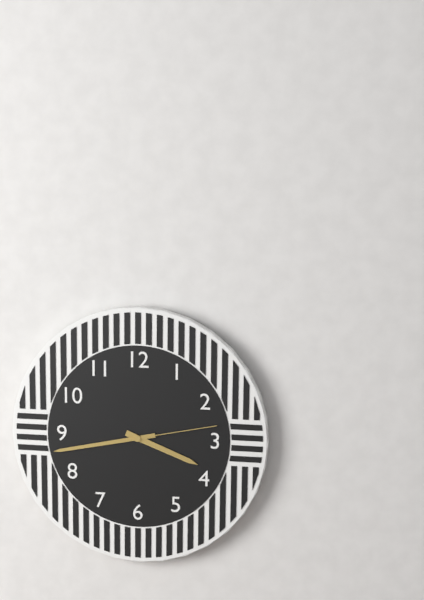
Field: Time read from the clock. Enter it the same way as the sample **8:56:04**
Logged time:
**3:43:13**
